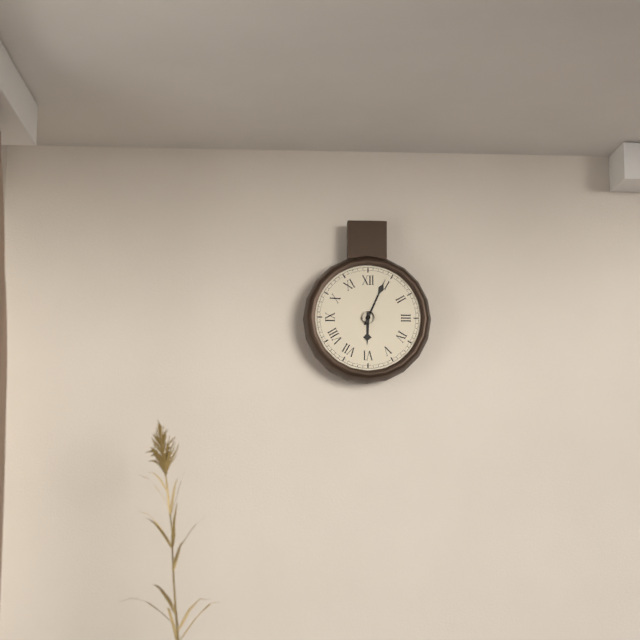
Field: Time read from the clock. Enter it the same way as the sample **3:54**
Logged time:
**6:04**
